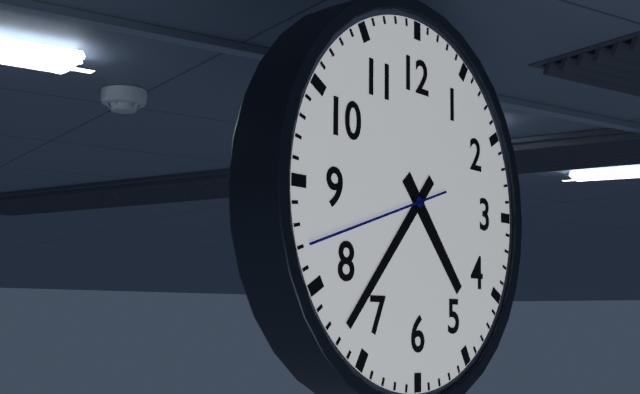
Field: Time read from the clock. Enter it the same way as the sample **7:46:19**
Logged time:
**4:37:42**
